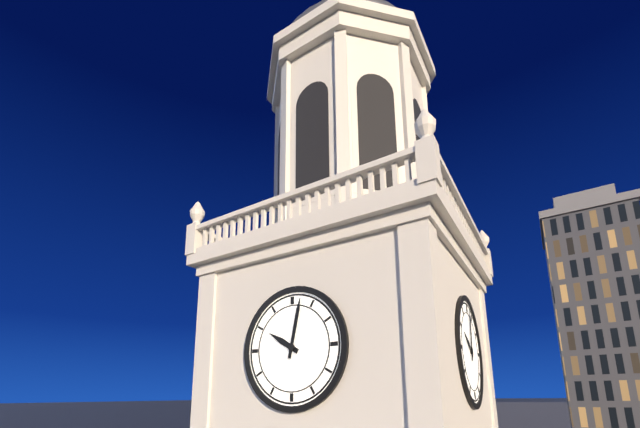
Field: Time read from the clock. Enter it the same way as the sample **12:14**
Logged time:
**10:02**
